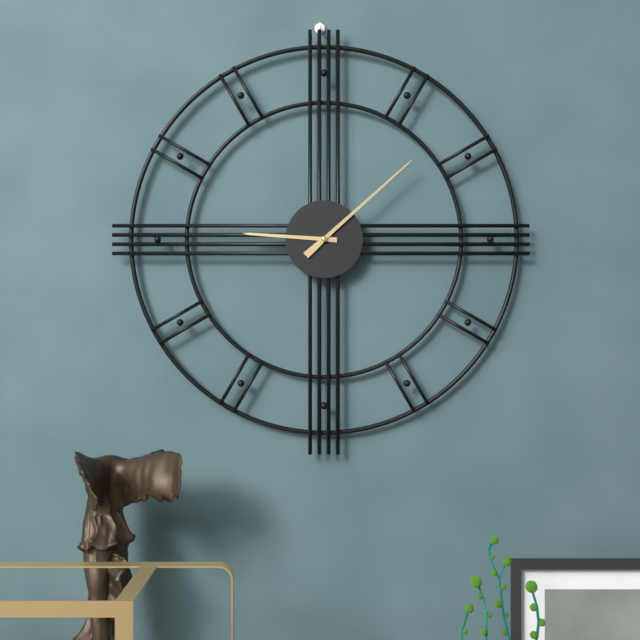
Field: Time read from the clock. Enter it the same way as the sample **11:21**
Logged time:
**9:08**
